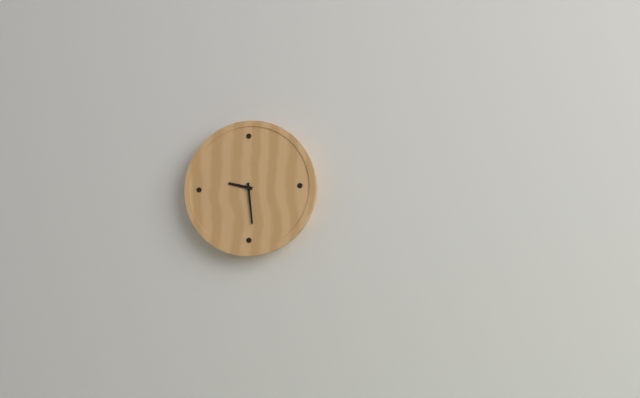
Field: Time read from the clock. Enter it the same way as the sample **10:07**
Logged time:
**9:29**
